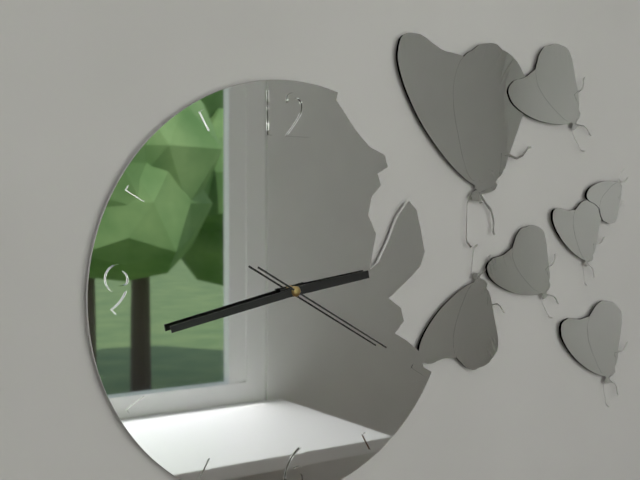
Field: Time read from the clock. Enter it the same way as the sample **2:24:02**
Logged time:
**2:43:20**
